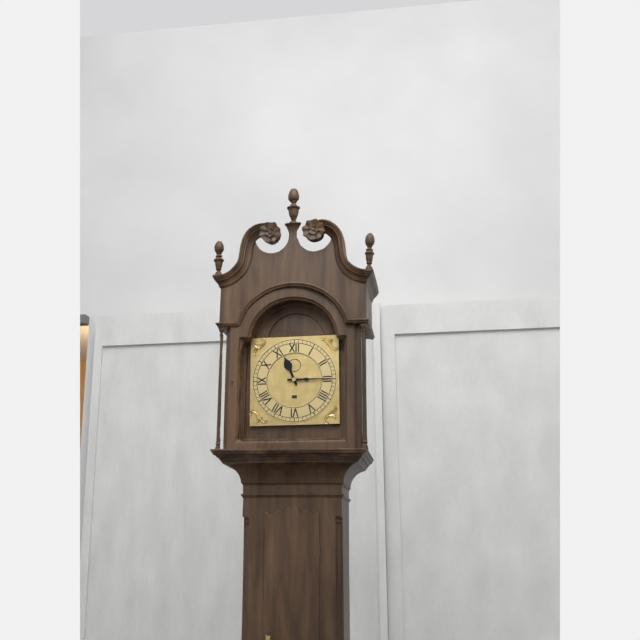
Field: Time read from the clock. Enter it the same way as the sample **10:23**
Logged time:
**11:15**
